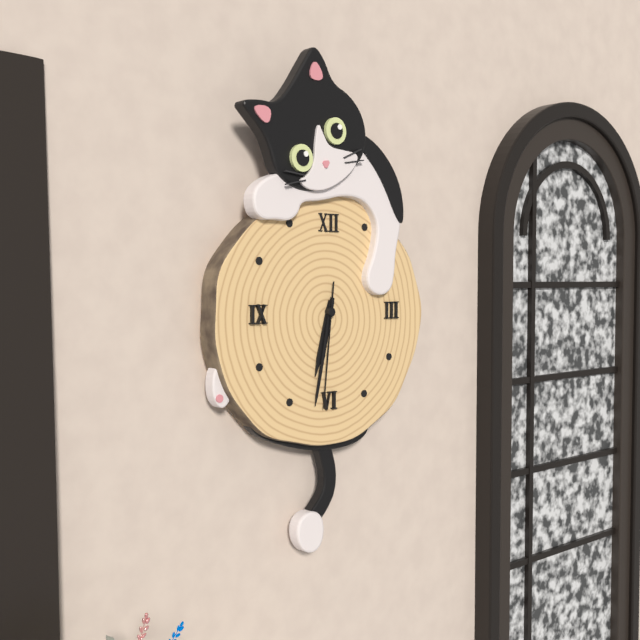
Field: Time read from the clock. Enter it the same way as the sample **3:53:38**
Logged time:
**6:32:31**
